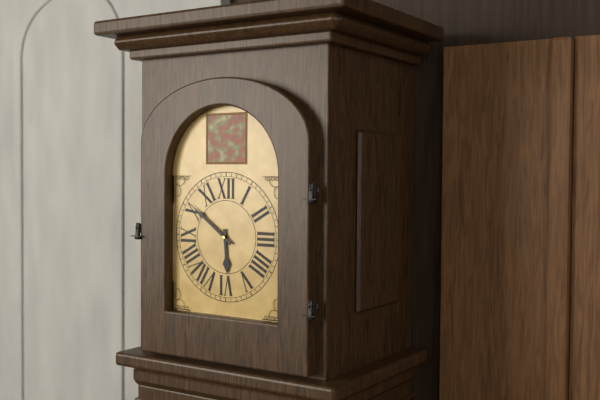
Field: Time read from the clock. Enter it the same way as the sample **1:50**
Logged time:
**5:51**
